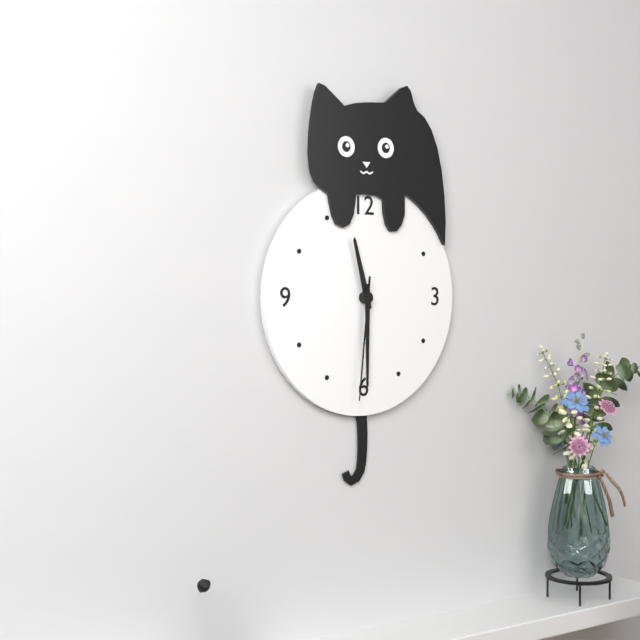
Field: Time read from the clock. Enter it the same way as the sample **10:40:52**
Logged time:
**11:30:31**
